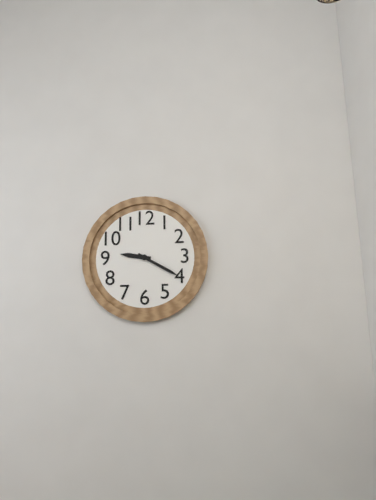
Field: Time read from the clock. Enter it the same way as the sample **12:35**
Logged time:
**9:20**
